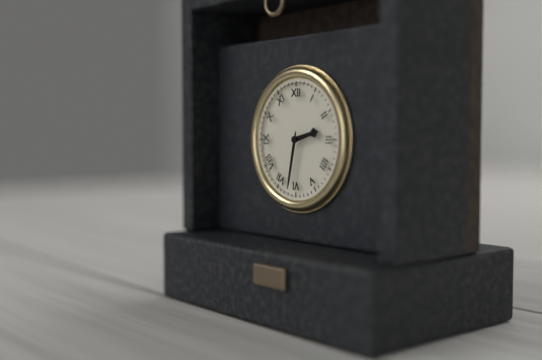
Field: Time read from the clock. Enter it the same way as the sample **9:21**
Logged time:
**2:32**
